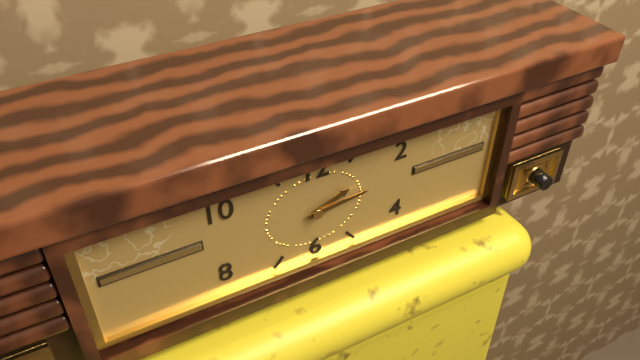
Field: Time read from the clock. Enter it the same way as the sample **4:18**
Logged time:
**2:14**
